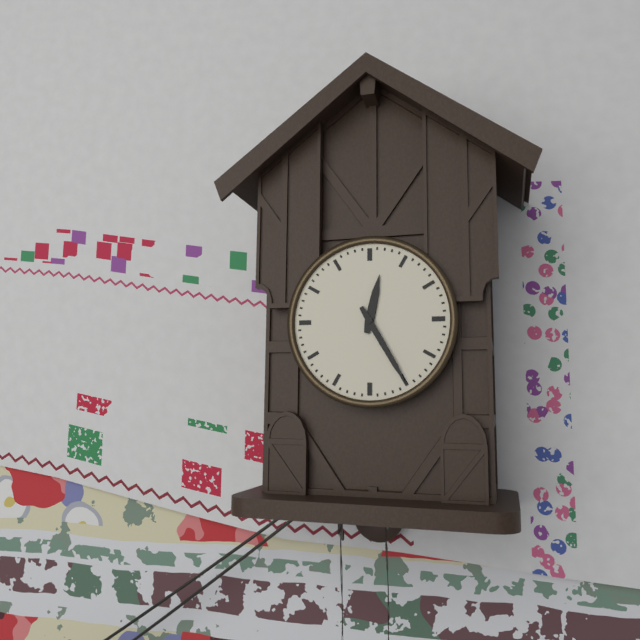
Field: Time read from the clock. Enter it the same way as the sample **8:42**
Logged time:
**12:25**
